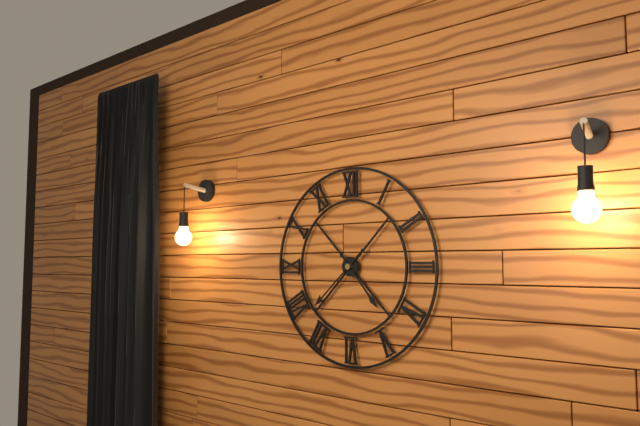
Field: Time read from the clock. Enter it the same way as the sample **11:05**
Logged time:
**4:38**
